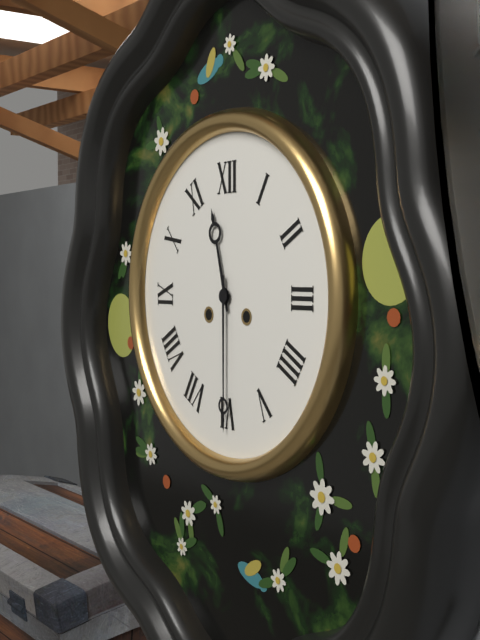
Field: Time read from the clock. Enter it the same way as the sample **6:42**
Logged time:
**11:30**
